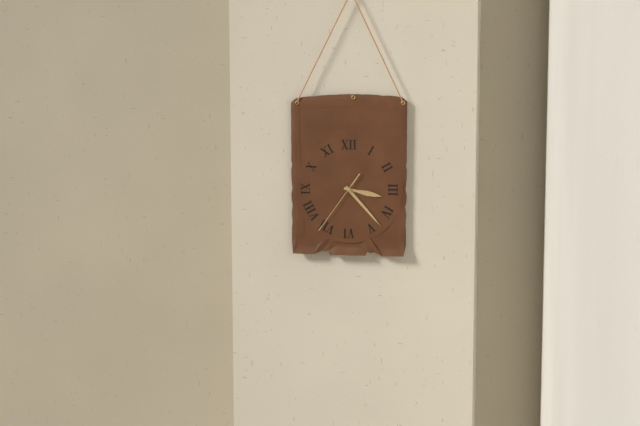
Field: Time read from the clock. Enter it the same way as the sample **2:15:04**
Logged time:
**3:23:36**
